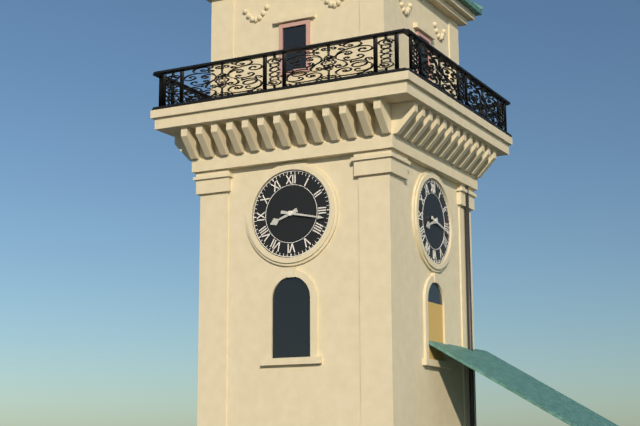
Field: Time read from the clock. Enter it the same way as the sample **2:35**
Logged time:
**8:17**
